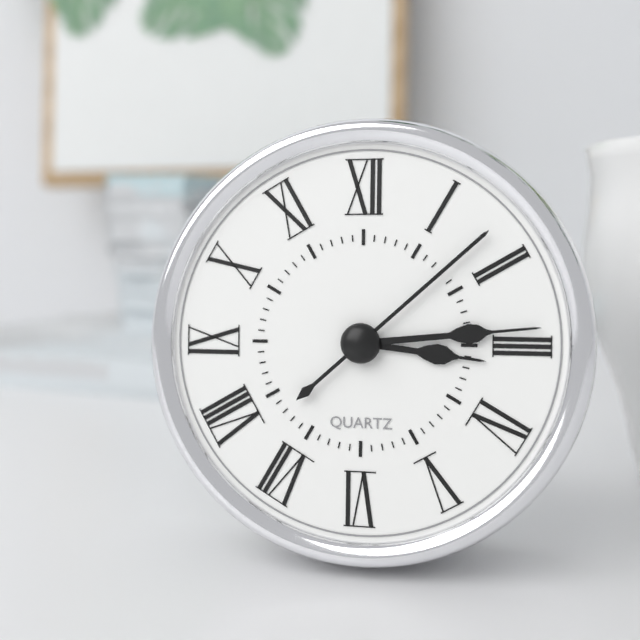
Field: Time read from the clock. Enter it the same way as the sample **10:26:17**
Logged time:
**3:14:08**
